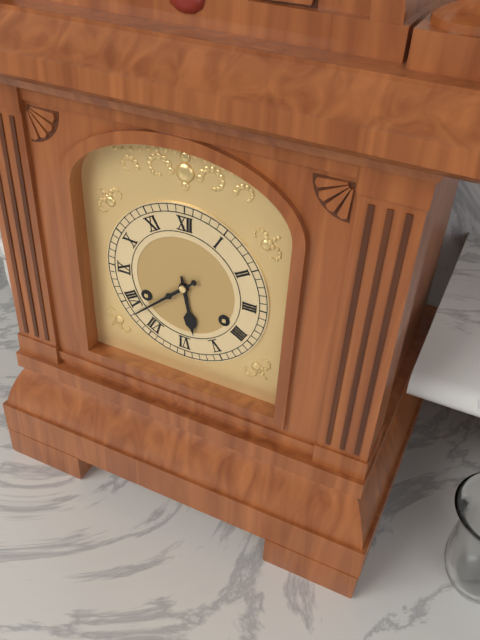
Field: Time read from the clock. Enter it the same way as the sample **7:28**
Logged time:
**5:38**
